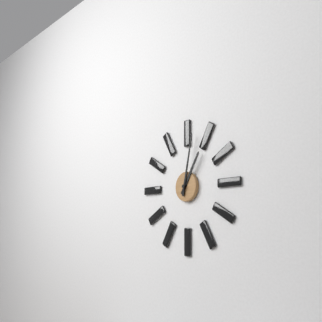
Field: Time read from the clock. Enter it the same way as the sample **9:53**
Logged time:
**1:02**
